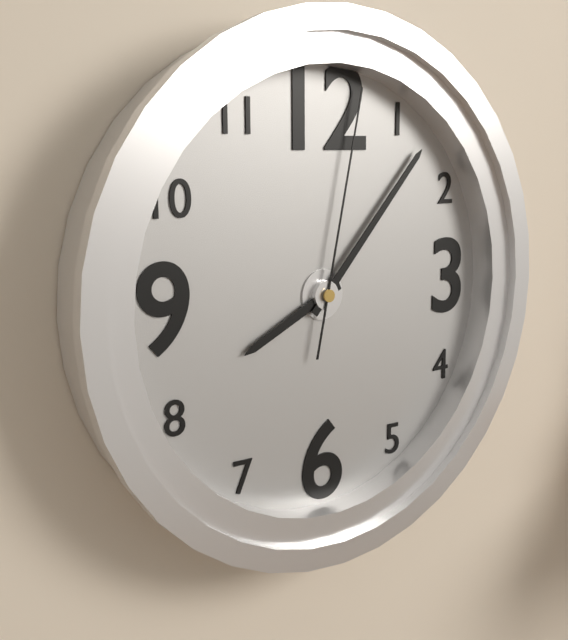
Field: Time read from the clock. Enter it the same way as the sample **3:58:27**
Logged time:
**8:07:02**
